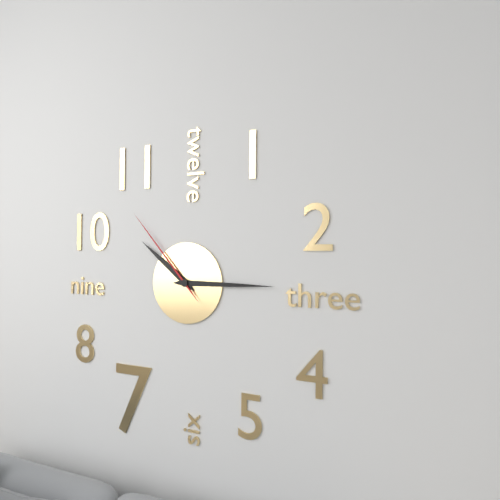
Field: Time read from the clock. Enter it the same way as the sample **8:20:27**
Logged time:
**10:15:53**
